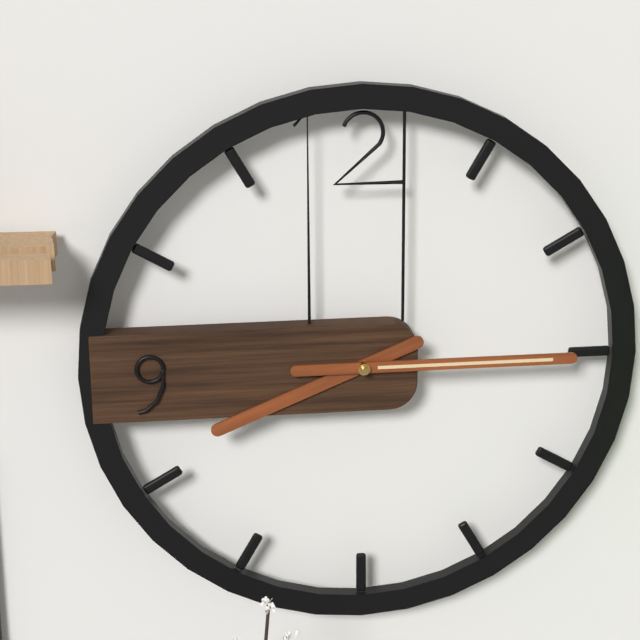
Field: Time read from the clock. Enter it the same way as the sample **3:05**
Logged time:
**8:15**
